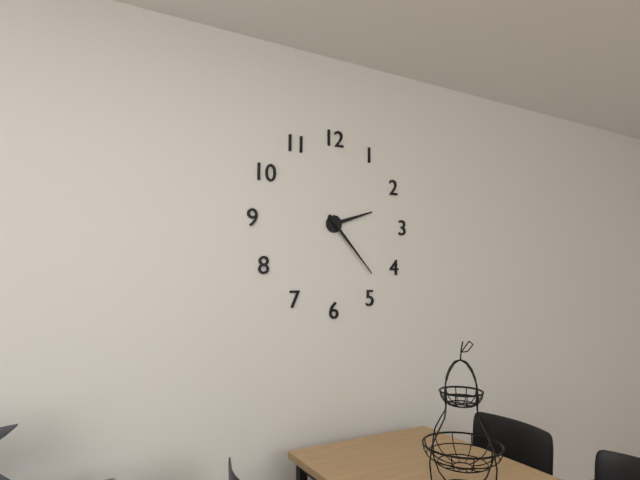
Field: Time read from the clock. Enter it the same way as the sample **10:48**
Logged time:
**2:23**
